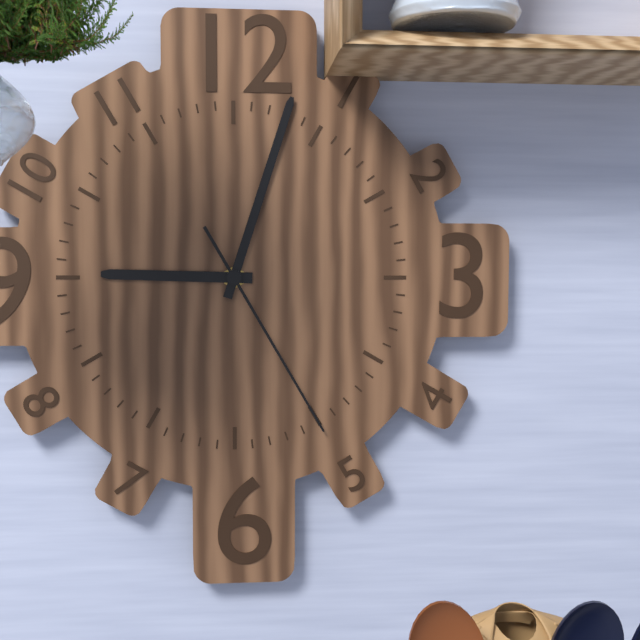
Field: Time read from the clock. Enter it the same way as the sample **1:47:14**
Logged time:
**9:03:25**
